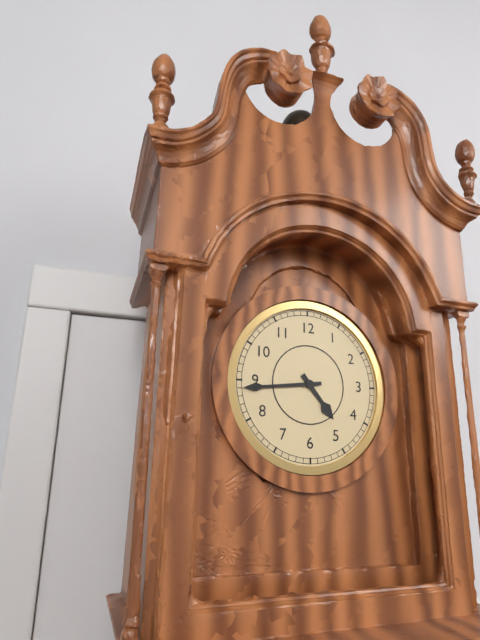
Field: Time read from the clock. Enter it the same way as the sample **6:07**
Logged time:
**4:44**
